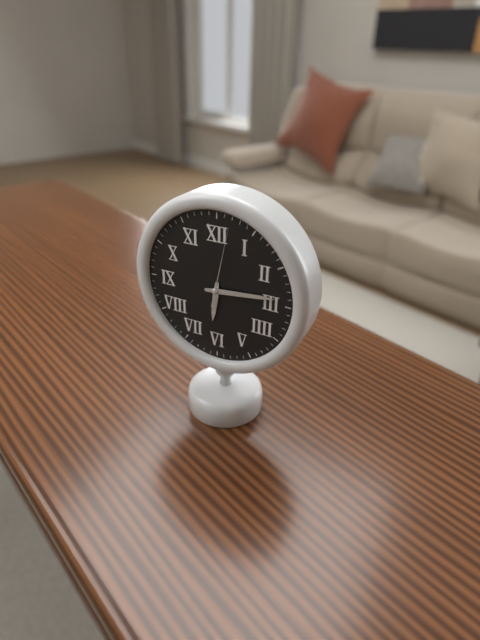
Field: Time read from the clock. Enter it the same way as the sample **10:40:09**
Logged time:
**6:14:02**
